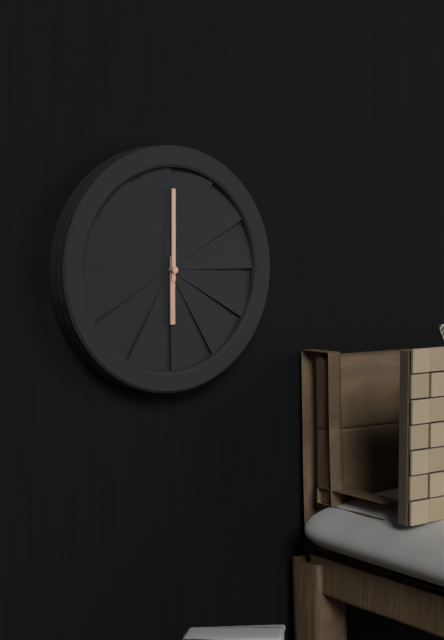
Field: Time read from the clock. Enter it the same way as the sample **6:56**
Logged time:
**6:00**
